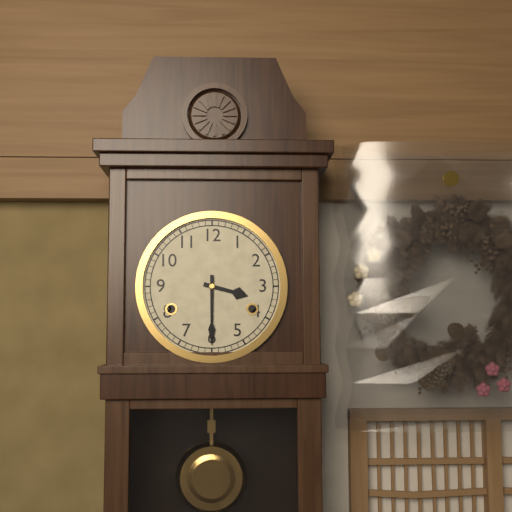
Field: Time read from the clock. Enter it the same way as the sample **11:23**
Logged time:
**3:30**
